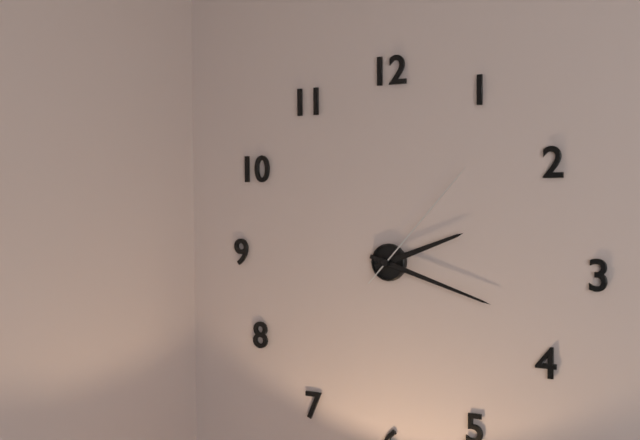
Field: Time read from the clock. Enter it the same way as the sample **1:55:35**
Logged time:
**2:18:07**
